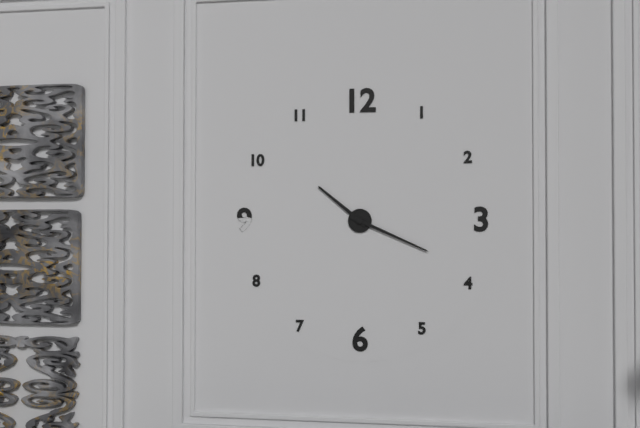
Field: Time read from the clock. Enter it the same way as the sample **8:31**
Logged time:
**10:19**
